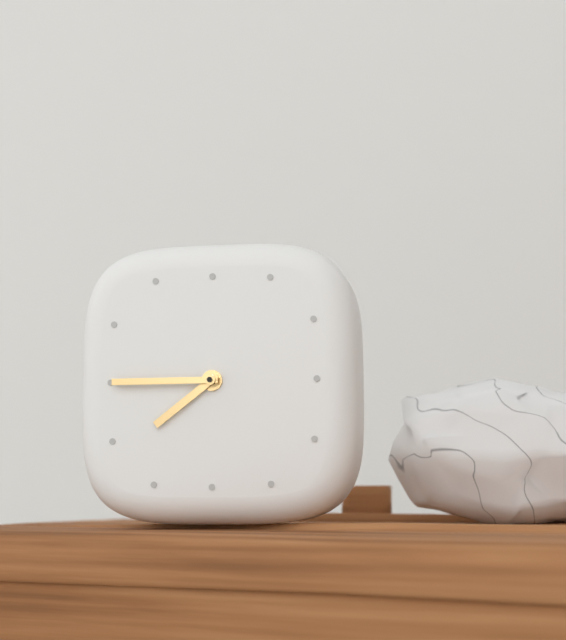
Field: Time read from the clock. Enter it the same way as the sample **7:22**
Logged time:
**7:45**
